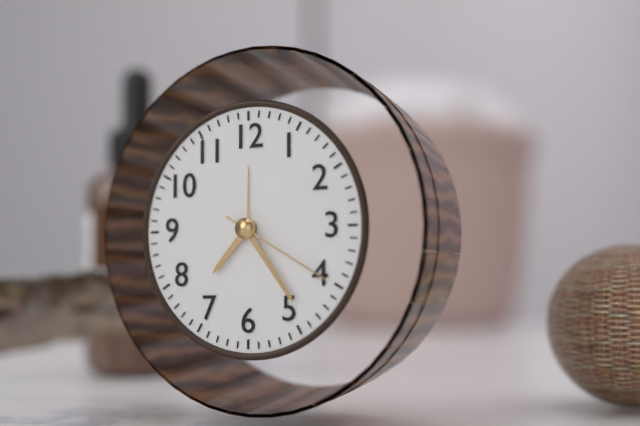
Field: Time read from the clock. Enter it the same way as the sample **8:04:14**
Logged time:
**7:24:20**
